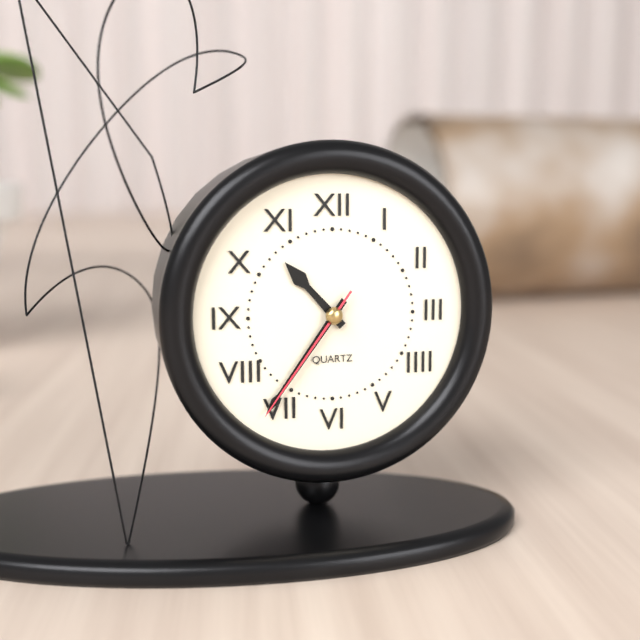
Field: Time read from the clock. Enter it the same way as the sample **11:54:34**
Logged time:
**10:36:36**
